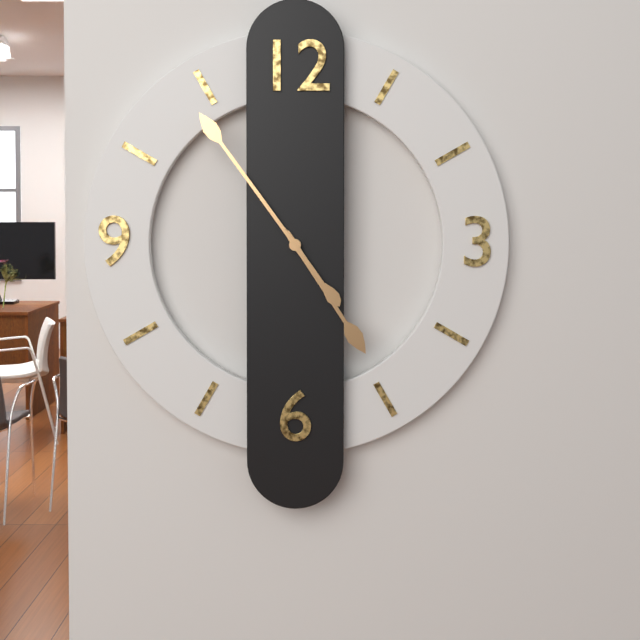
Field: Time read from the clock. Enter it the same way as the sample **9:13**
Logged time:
**4:54**
